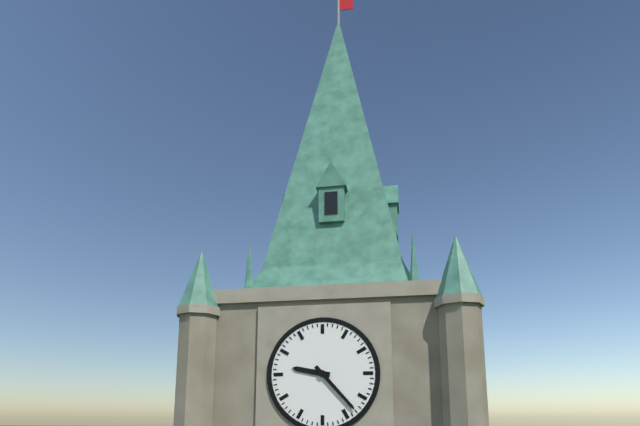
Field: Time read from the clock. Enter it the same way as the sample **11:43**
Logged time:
**9:23**
